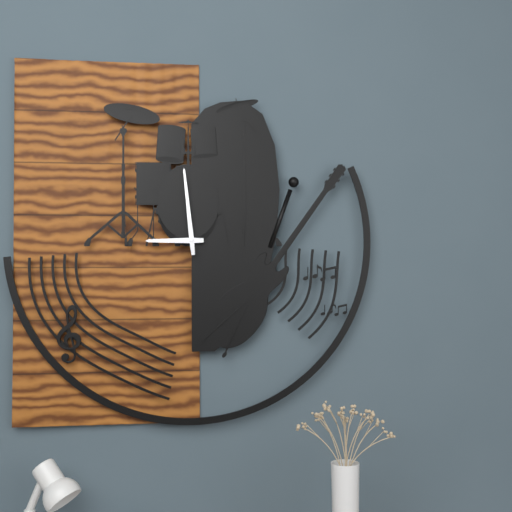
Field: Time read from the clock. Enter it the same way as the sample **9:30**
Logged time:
**8:59**
